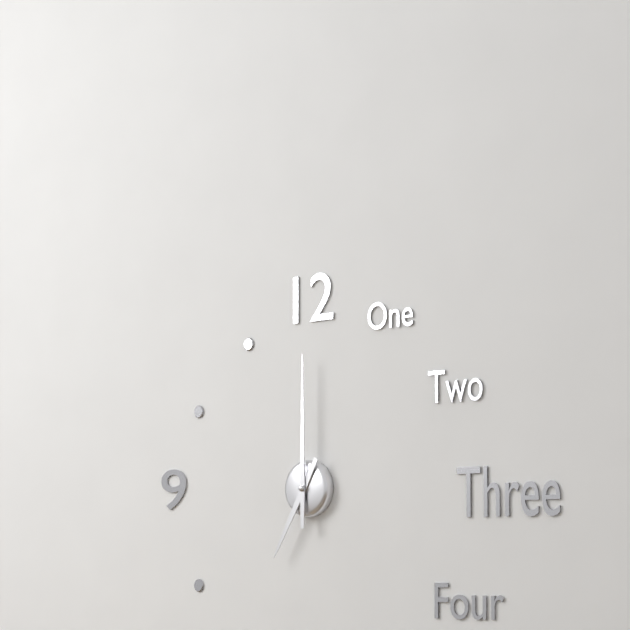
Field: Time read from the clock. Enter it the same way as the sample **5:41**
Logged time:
**7:00**
